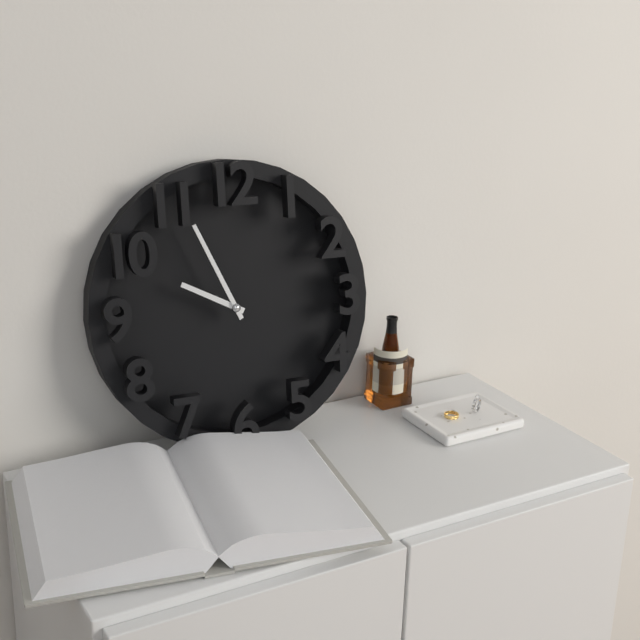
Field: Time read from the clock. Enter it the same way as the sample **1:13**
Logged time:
**9:56**
